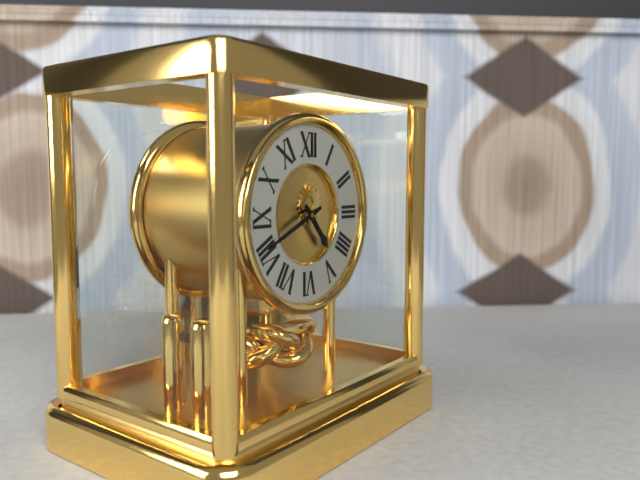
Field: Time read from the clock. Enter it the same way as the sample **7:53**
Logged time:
**4:41**
